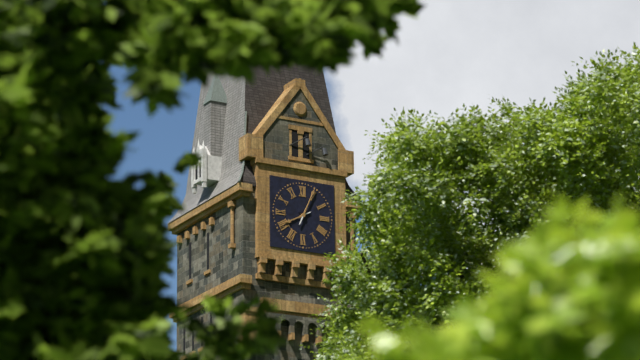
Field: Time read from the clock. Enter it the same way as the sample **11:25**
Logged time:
**8:04**
